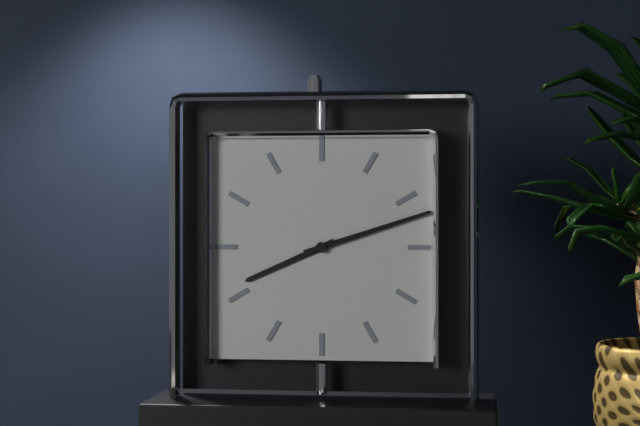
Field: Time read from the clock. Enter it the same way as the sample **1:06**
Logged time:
**8:12**
